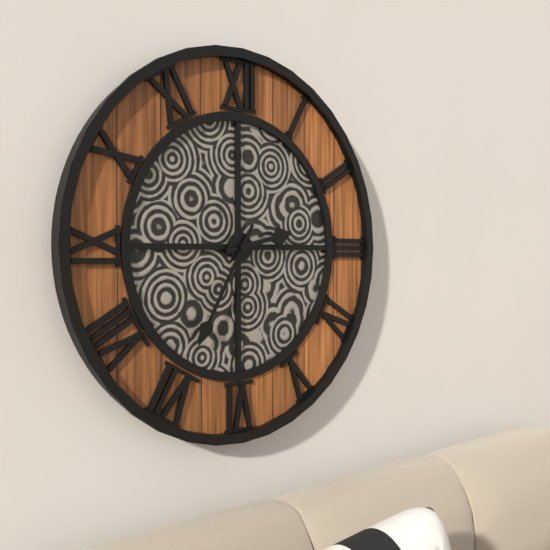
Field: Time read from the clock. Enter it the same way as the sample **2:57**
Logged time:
**2:35**
